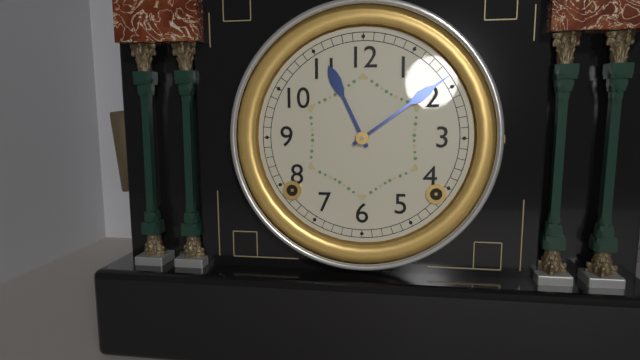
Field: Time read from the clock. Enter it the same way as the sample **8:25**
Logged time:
**11:09**
